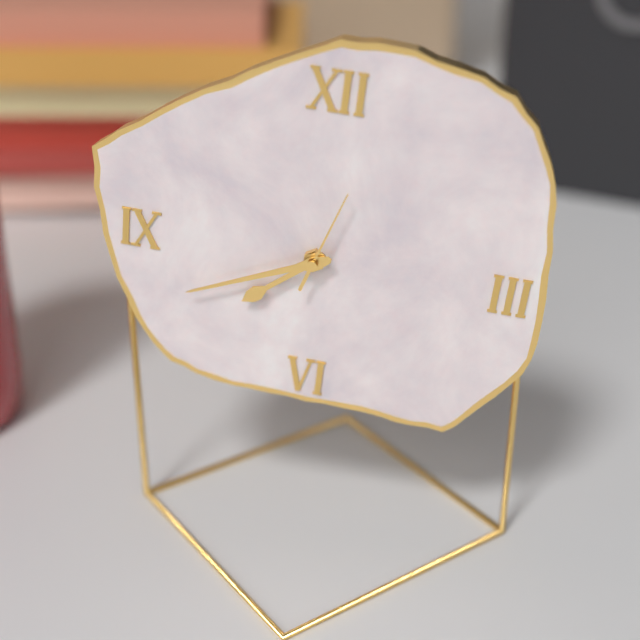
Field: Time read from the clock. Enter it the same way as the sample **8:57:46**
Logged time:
**7:41:03**
